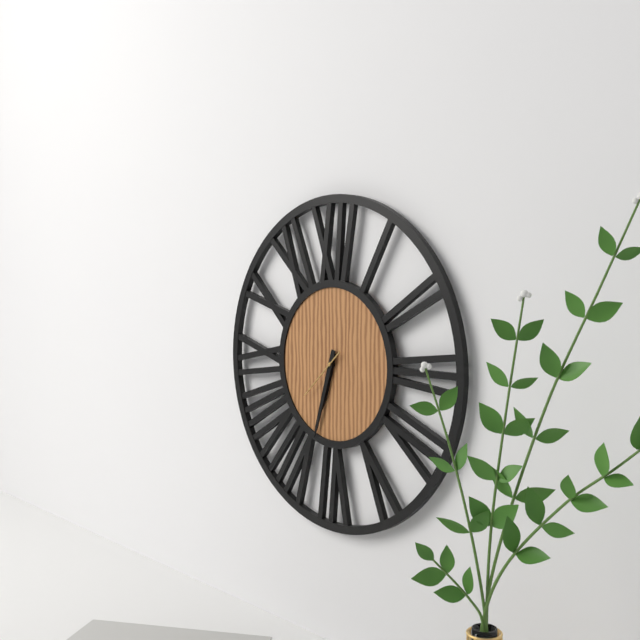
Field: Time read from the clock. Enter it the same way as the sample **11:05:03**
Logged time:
**6:33:38**
